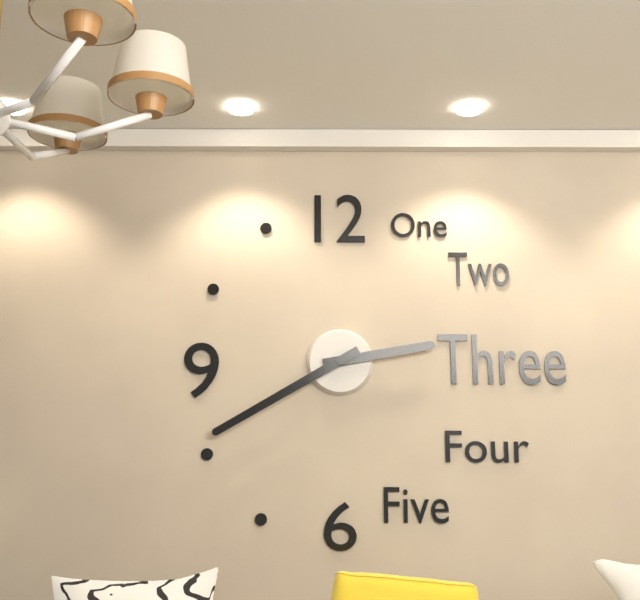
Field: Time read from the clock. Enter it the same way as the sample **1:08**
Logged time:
**2:40**
